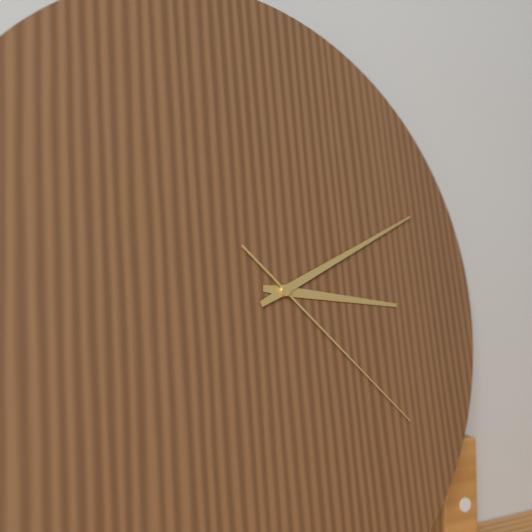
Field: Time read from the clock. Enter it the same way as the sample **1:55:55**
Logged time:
**3:11:22**
